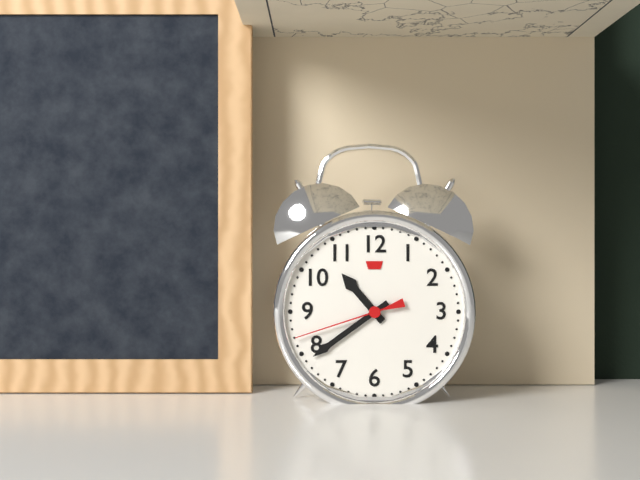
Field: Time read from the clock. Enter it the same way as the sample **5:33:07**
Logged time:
**10:39:42**
